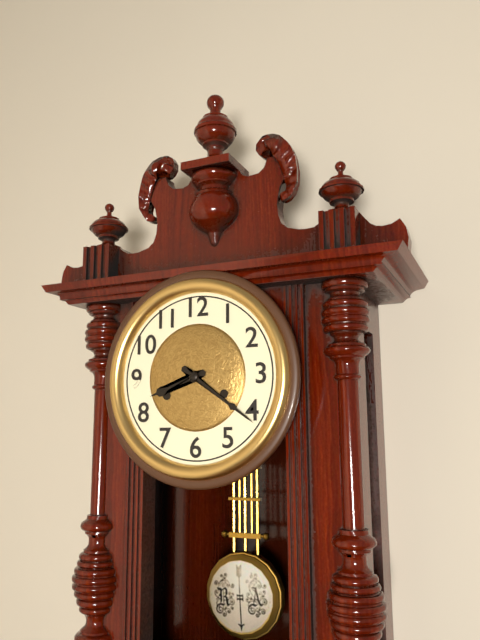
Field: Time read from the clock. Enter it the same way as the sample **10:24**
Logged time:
**8:21**
